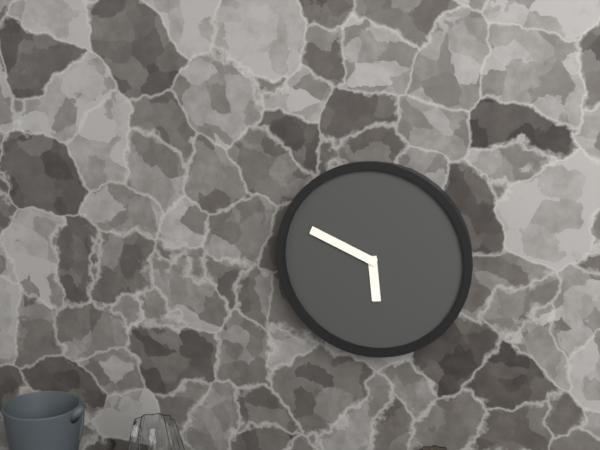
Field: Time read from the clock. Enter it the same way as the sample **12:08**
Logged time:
**5:49**
